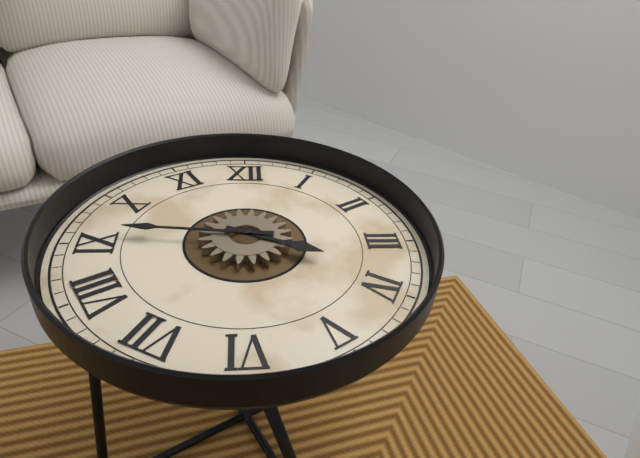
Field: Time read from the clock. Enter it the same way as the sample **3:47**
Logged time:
**3:46**
